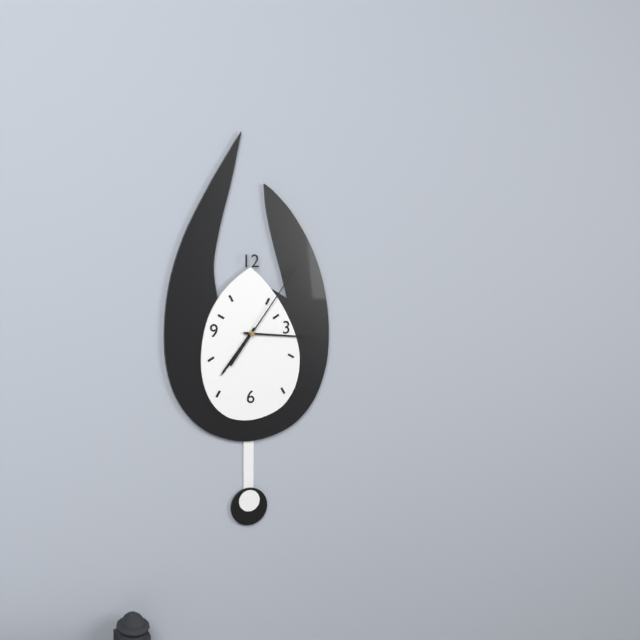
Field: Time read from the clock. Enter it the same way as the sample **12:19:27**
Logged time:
**7:16:06**
